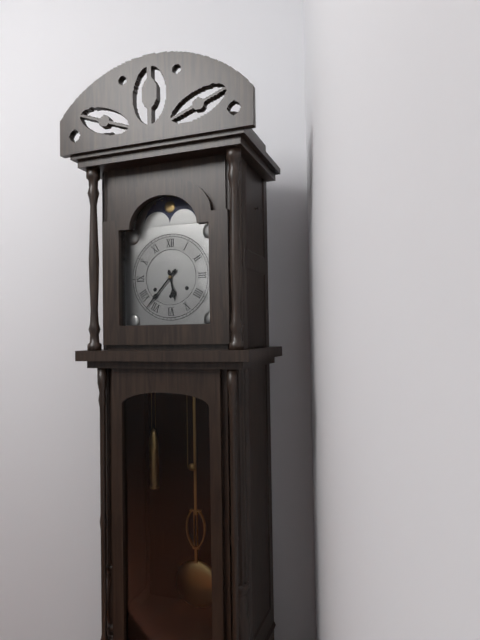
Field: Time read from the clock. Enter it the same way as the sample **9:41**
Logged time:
**5:37**
